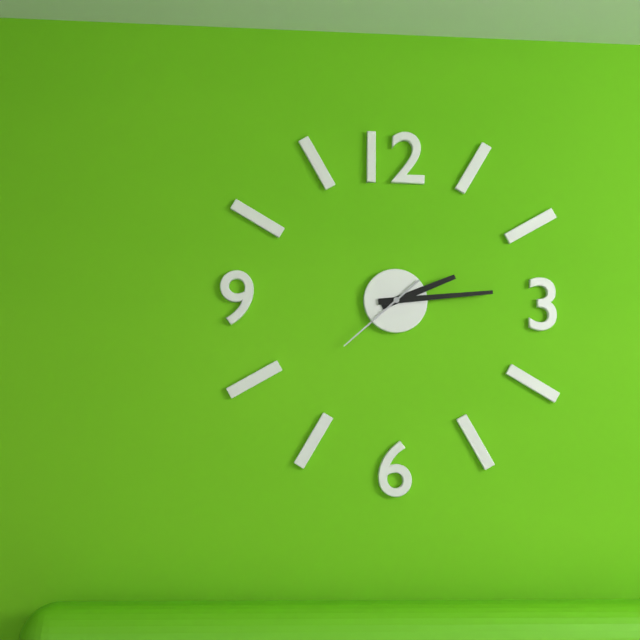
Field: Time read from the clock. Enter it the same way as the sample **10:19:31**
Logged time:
**2:14:38**
